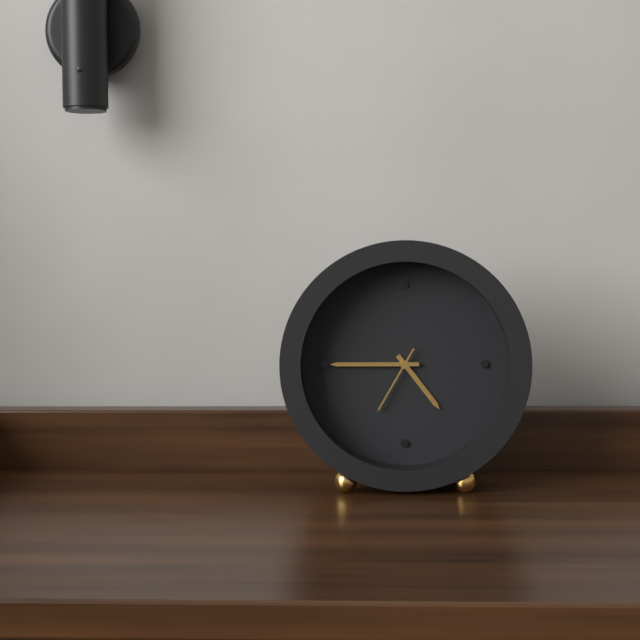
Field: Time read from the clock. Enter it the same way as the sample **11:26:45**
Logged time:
**4:45:35**
